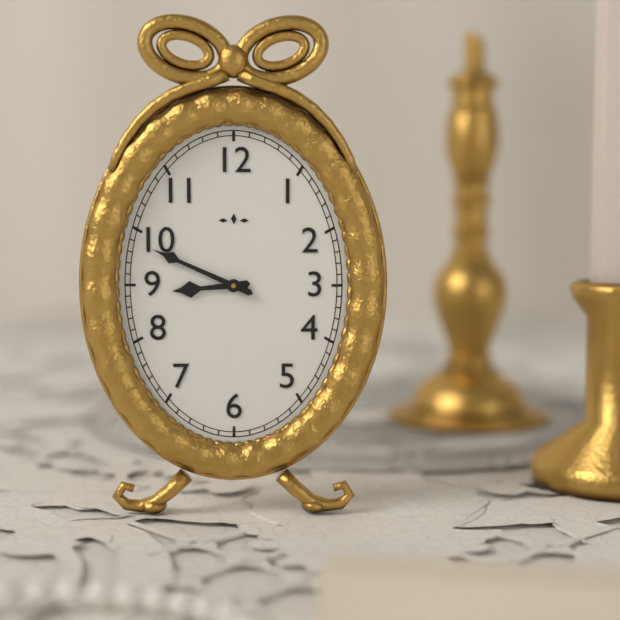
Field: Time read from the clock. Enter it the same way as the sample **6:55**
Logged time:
**8:49**
